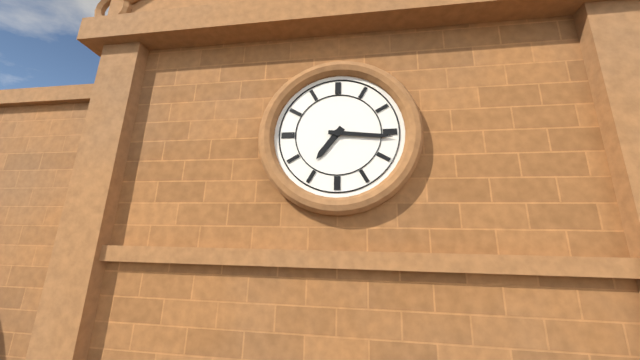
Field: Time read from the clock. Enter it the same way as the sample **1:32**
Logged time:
**7:16**
